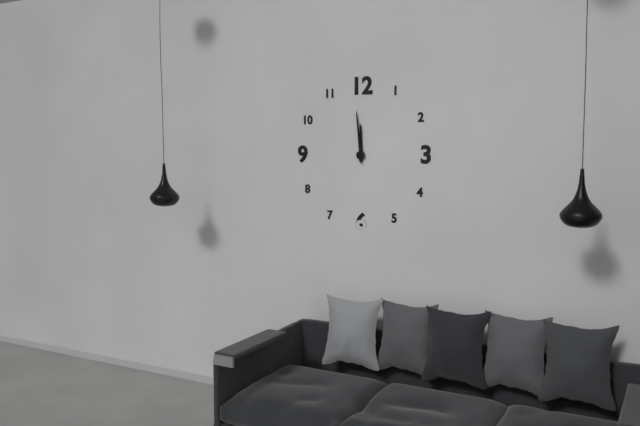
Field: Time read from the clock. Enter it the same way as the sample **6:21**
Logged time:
**11:59**
